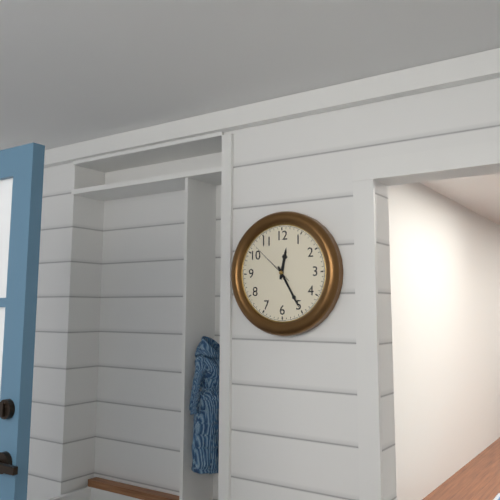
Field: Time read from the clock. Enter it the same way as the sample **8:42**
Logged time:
**12:25**
